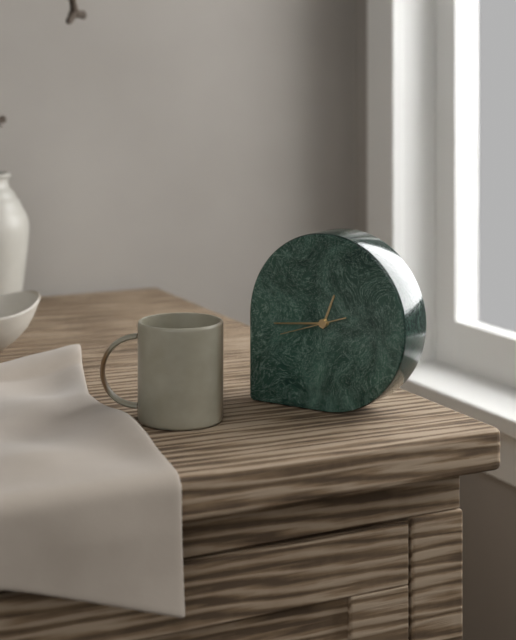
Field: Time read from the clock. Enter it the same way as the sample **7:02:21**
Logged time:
**12:44:42**
